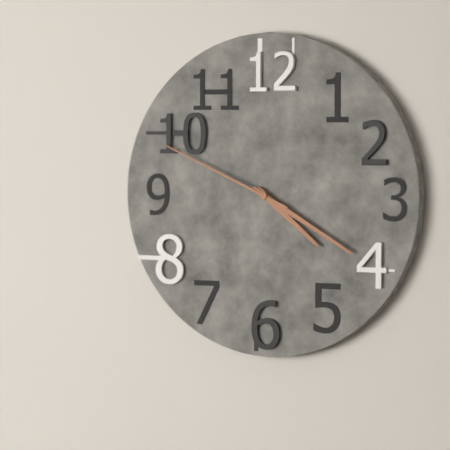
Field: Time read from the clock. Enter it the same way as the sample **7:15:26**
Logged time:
**4:20:49**
